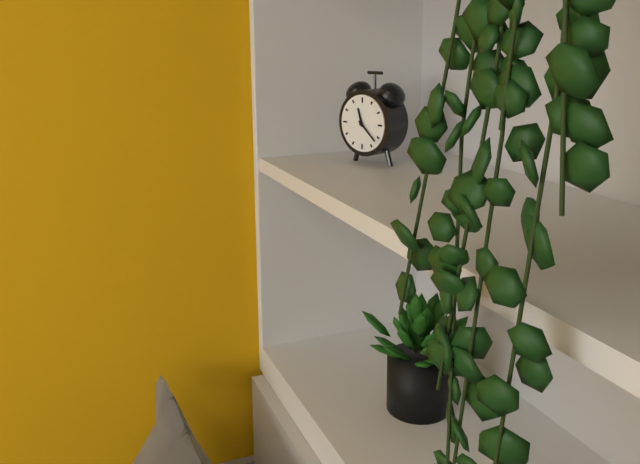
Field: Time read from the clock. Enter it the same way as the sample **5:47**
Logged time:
**11:22**
